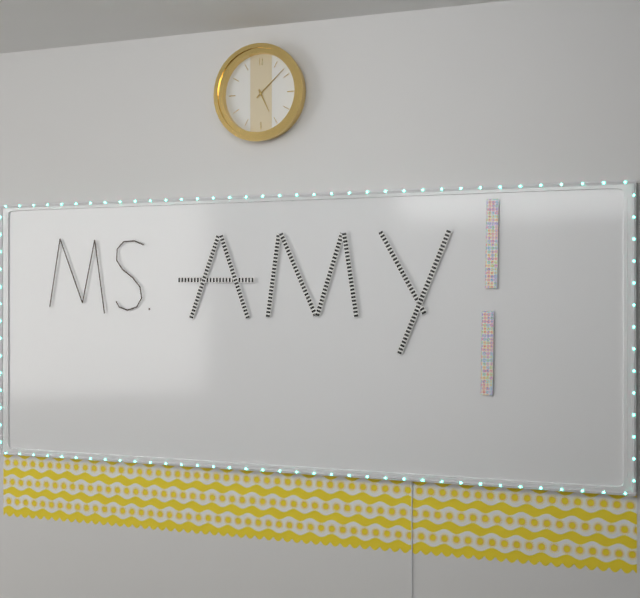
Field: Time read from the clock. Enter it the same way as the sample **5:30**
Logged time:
**5:08**
